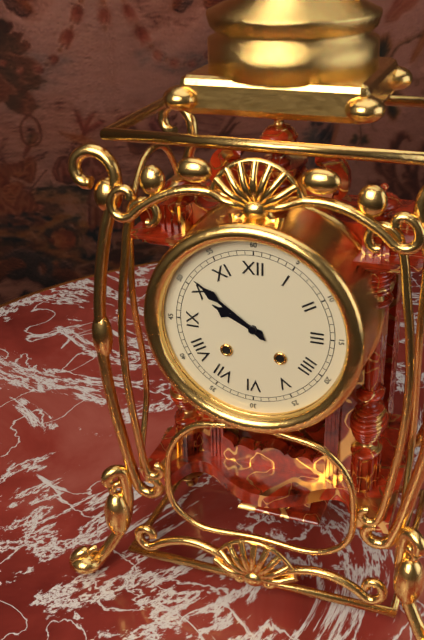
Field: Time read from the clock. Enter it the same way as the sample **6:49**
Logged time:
**9:51**
